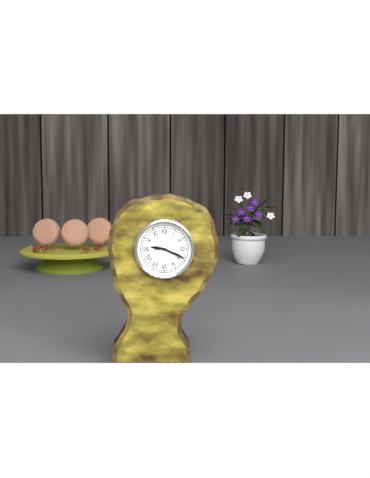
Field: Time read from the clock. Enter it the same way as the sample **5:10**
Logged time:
**9:19**
